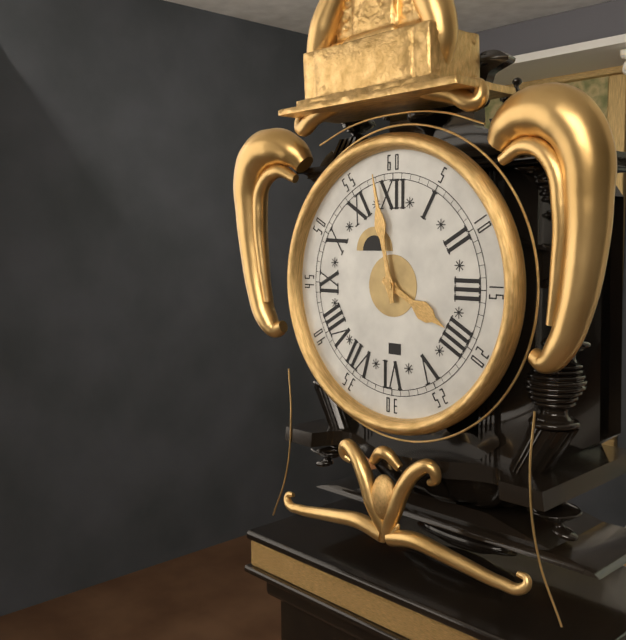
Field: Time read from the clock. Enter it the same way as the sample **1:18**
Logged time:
**3:58**
